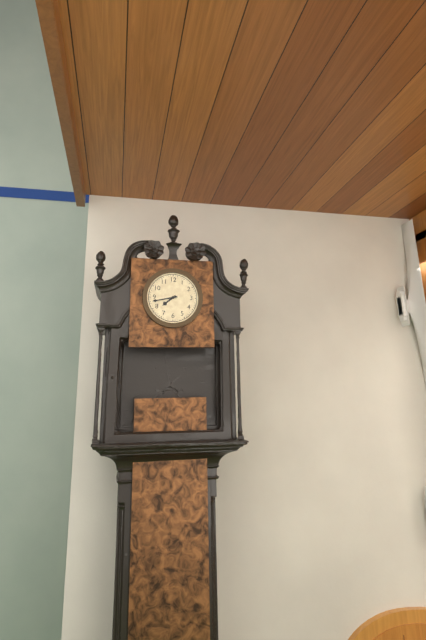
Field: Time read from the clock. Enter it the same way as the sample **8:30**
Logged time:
**7:43**
